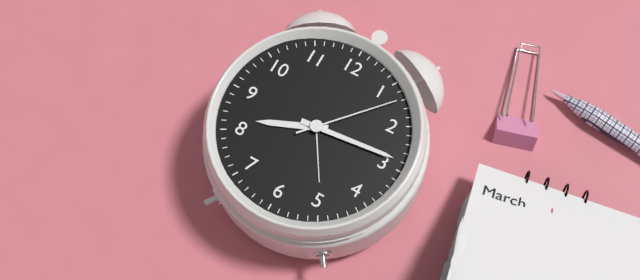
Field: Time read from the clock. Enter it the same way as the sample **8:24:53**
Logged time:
**8:14:07**
